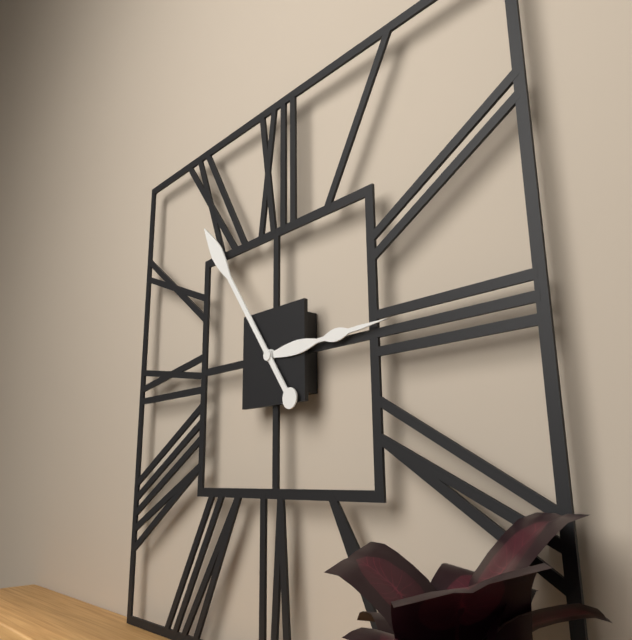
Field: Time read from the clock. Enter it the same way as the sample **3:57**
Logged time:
**2:54**
